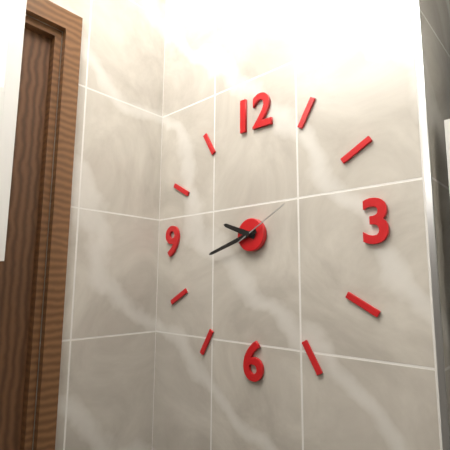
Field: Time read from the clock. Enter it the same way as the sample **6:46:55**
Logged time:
**9:42:10**
